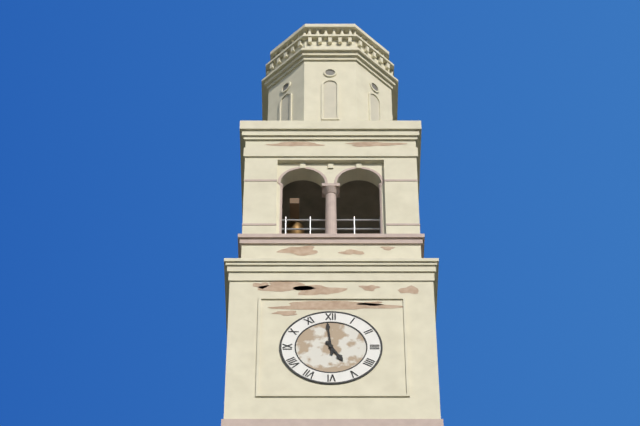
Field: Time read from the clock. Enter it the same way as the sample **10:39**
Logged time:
**4:59**
